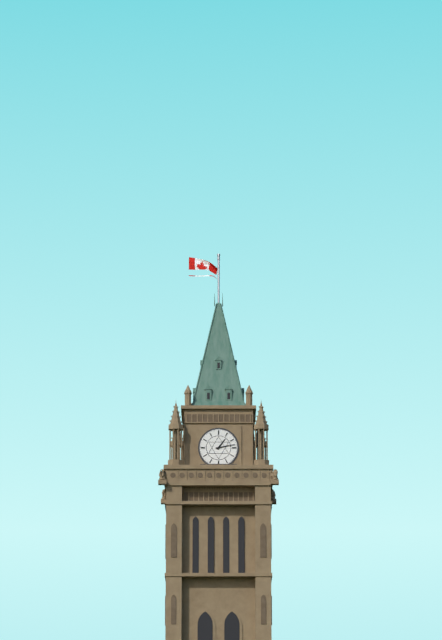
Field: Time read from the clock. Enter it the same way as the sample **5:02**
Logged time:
**1:13**
